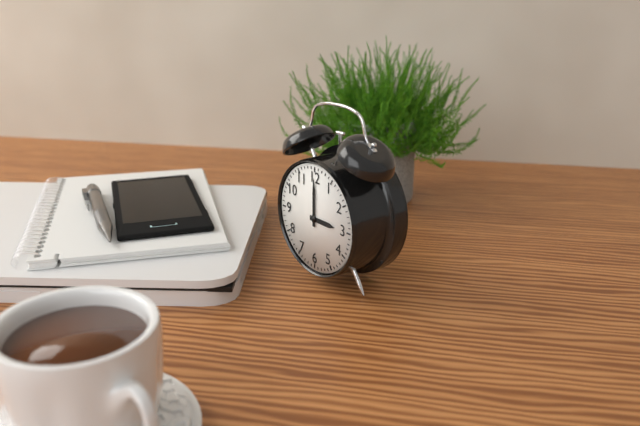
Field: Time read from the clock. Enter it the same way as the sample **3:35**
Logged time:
**3:00**
